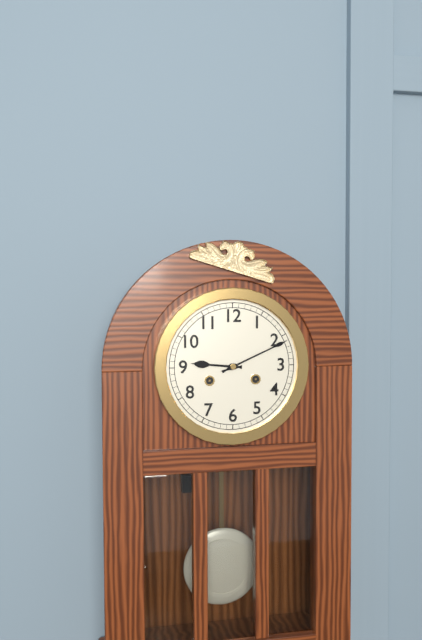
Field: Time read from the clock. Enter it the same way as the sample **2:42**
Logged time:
**9:11**
